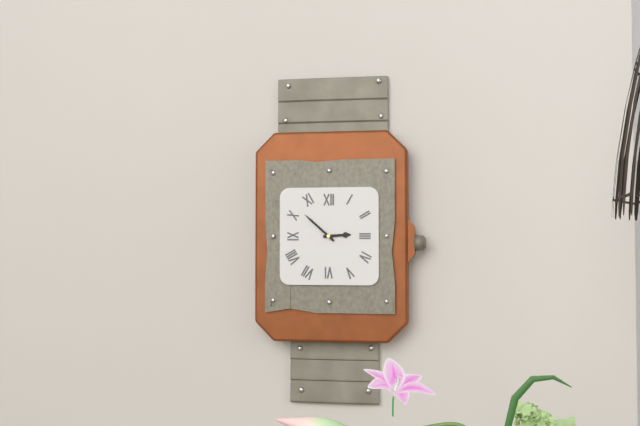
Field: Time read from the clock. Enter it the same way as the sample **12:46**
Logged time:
**2:52**
